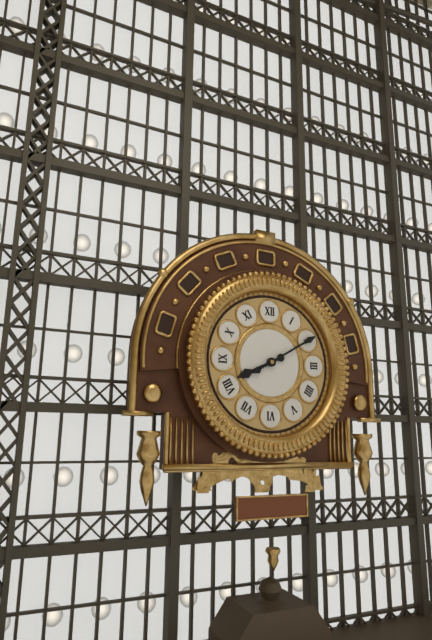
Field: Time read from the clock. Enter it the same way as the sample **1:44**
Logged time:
**8:10**
